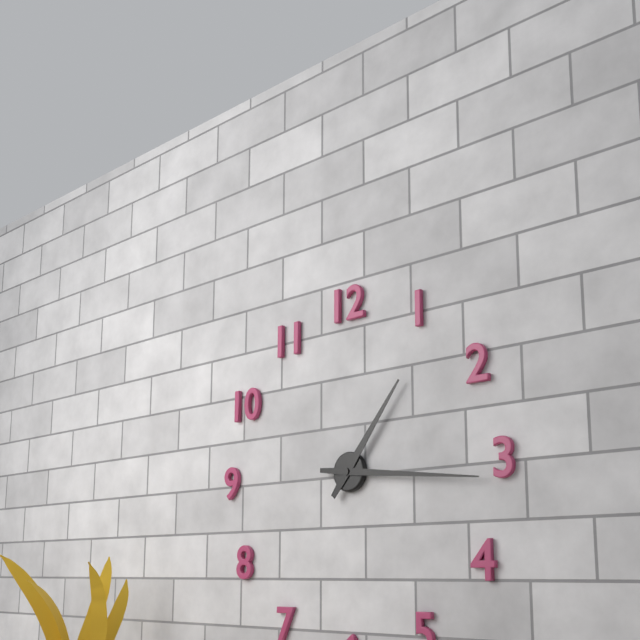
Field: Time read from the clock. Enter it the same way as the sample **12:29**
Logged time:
**1:16**
